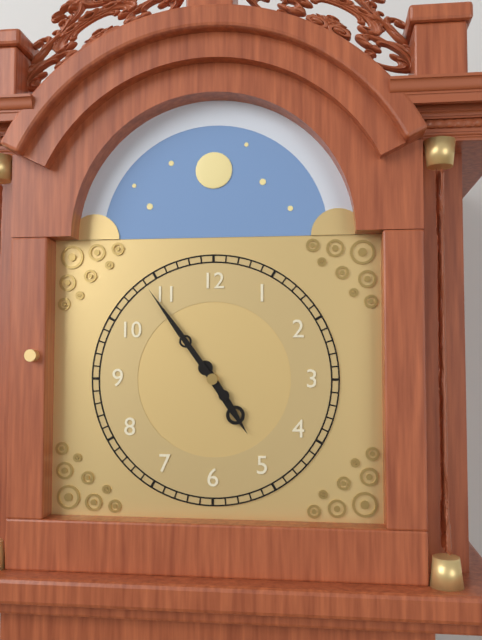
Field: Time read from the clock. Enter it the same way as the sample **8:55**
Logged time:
**4:54**
